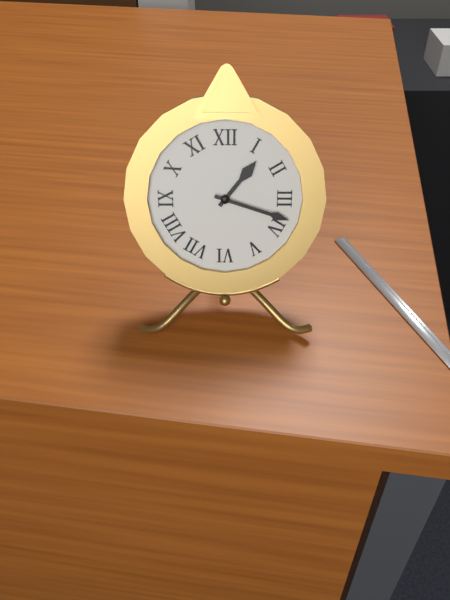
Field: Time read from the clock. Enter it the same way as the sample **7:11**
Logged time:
**1:18**
